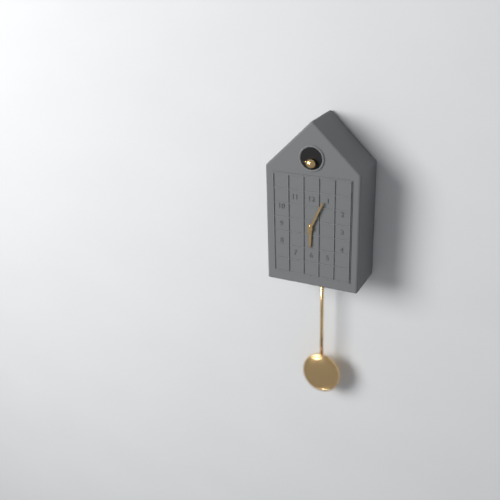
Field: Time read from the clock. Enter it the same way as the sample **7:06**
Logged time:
**6:04**
